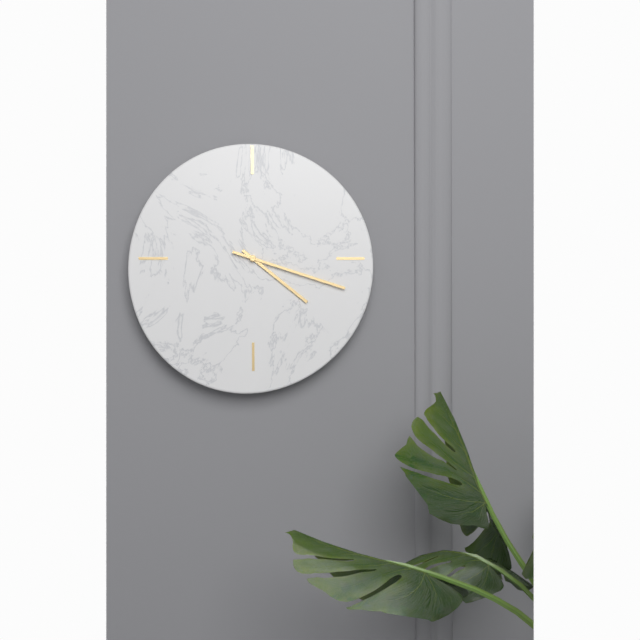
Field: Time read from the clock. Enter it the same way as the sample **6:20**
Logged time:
**4:18**
